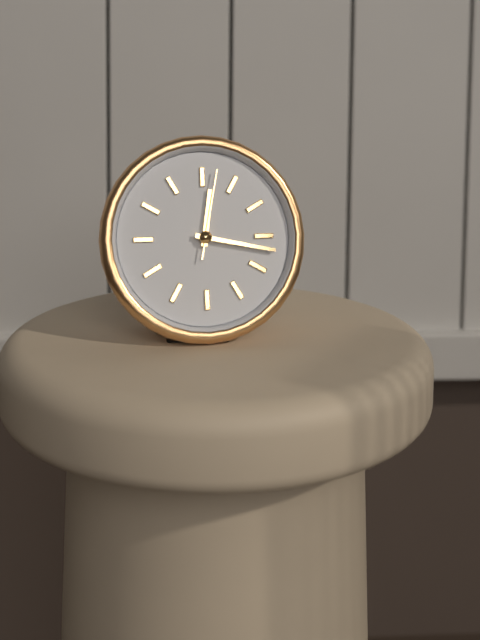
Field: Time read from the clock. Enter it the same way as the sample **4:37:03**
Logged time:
**12:17:02**
